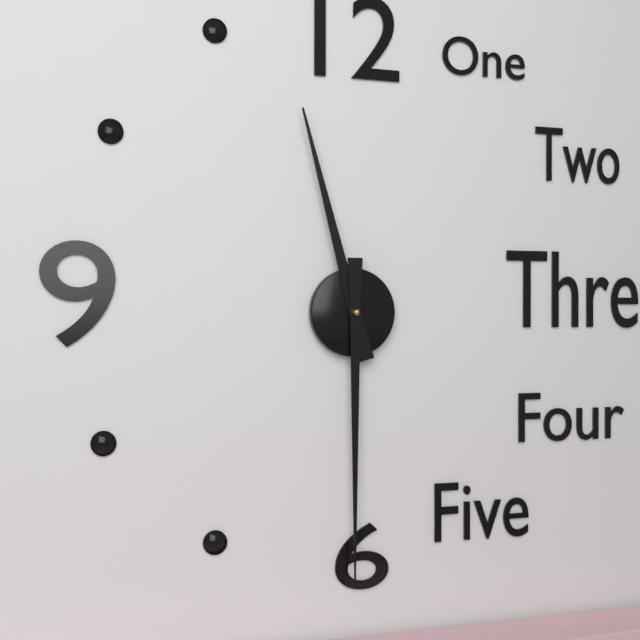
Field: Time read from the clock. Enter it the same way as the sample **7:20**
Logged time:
**11:30**
